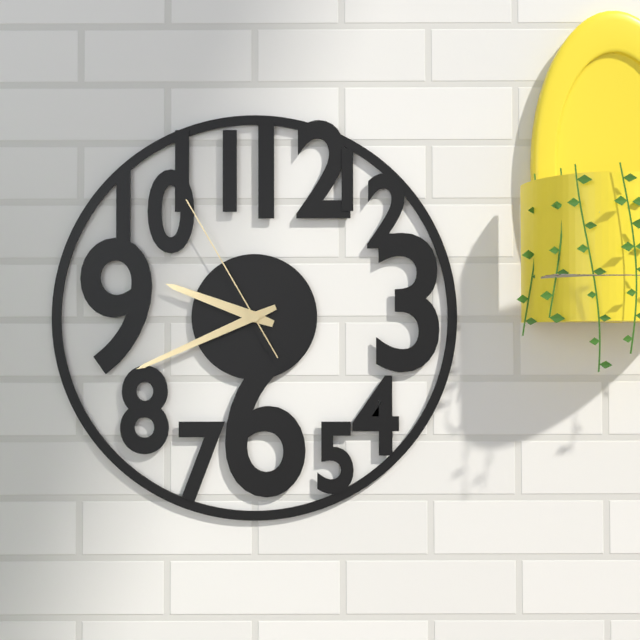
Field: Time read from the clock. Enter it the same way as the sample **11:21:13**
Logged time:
**9:41:55**
